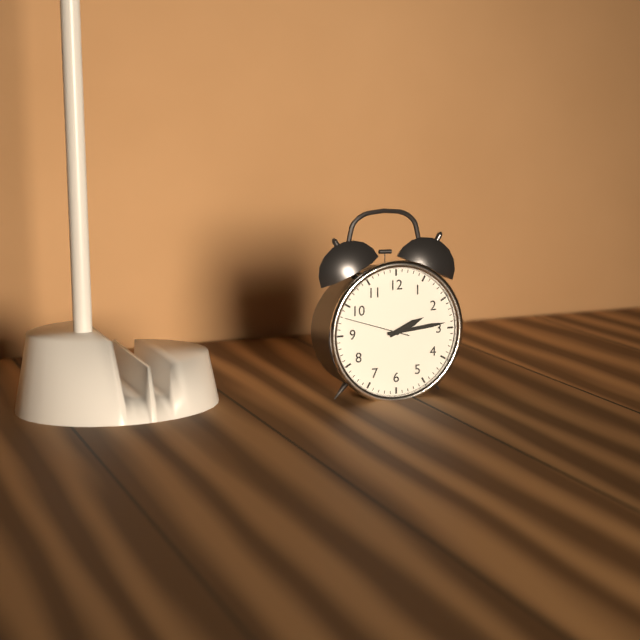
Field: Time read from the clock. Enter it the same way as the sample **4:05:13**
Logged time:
**2:14:48**
